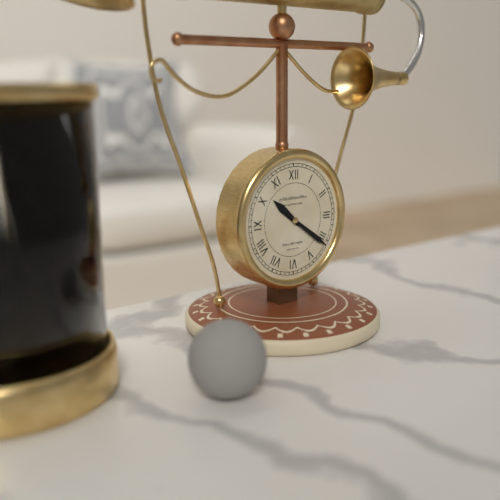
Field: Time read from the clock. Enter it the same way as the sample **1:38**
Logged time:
**10:21**
